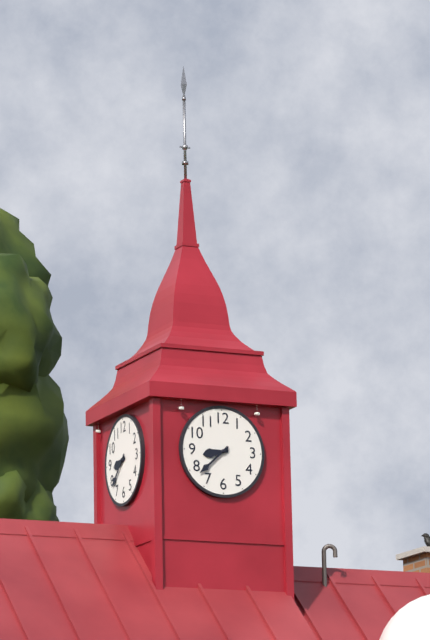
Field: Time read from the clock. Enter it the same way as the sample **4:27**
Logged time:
**8:38**
